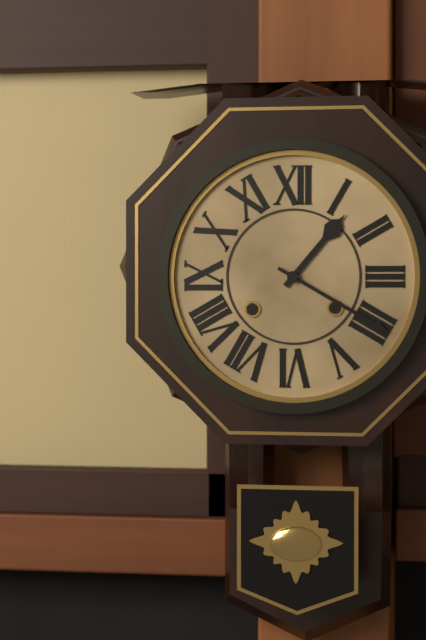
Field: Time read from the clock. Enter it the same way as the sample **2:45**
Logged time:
**1:20**
